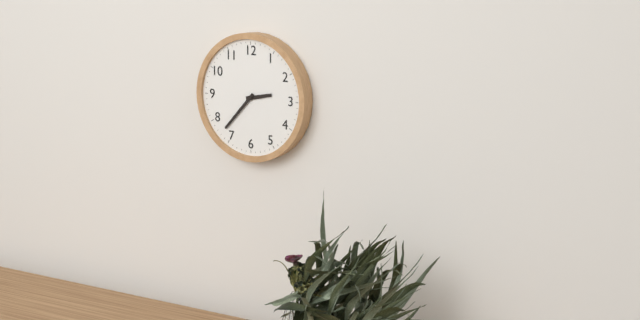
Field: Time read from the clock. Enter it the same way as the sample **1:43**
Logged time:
**2:37**
